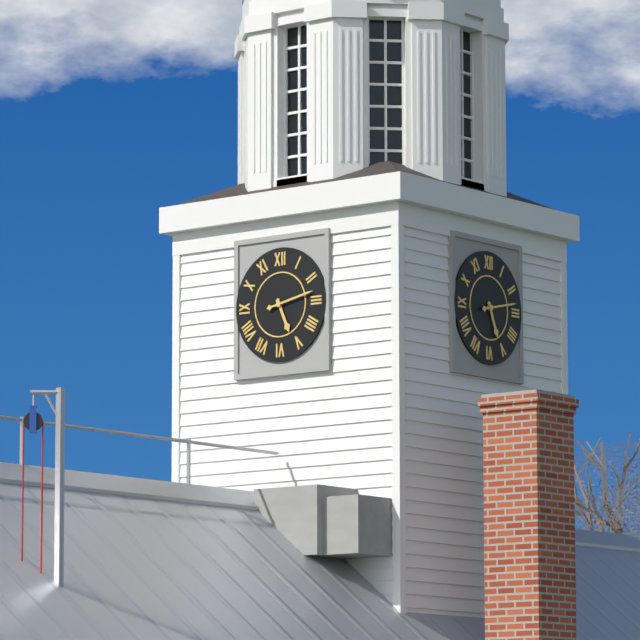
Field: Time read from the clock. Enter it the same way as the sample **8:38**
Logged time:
**5:13**
